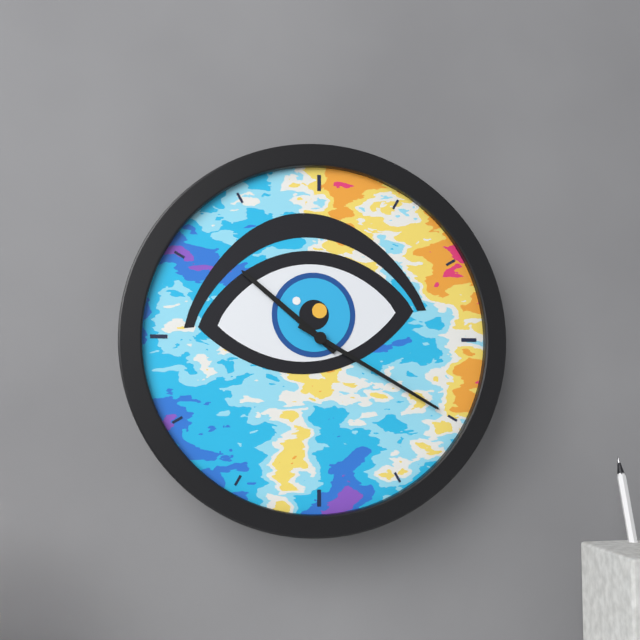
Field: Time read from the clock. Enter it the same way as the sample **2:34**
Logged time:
**10:20**
